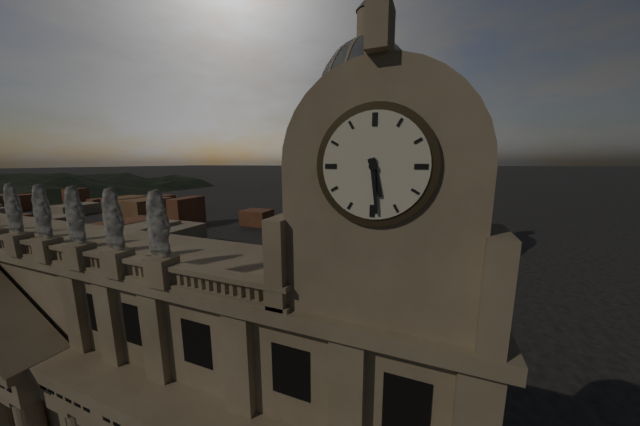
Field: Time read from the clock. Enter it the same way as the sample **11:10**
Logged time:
**5:29**
